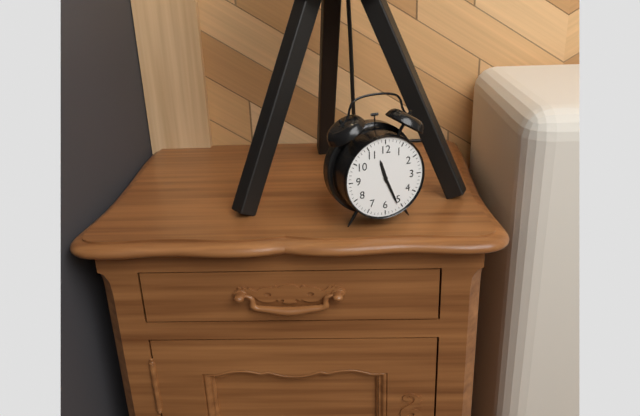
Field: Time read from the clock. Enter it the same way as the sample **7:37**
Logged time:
**11:26**
